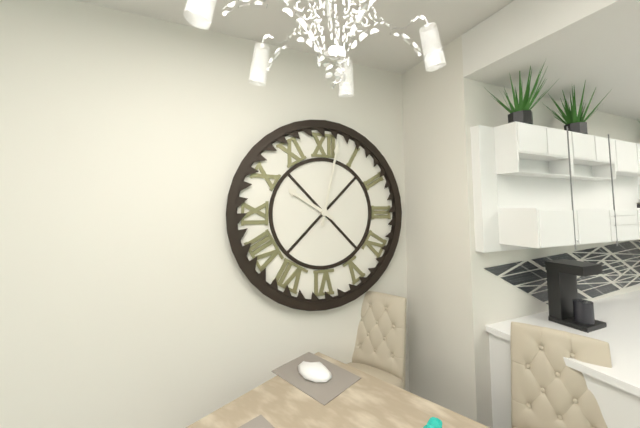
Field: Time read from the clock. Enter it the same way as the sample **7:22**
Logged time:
**10:02**
